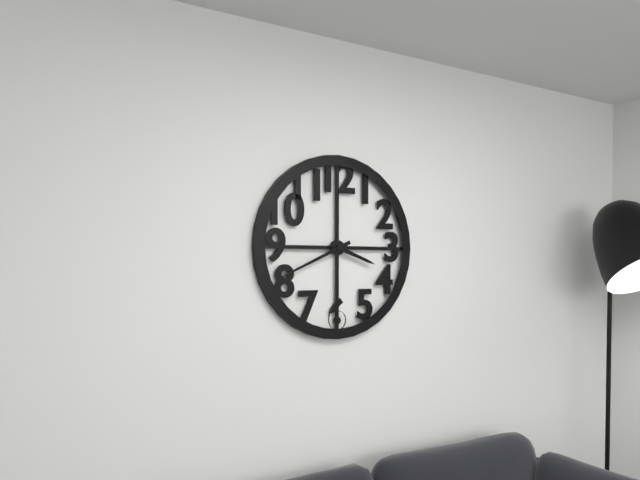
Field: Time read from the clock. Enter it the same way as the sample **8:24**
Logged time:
**3:41**
